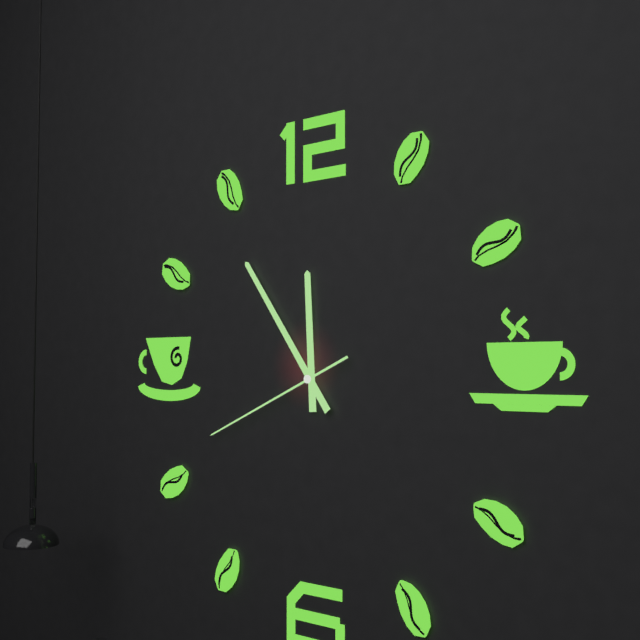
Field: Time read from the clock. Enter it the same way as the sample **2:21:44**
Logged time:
**11:54:41**
